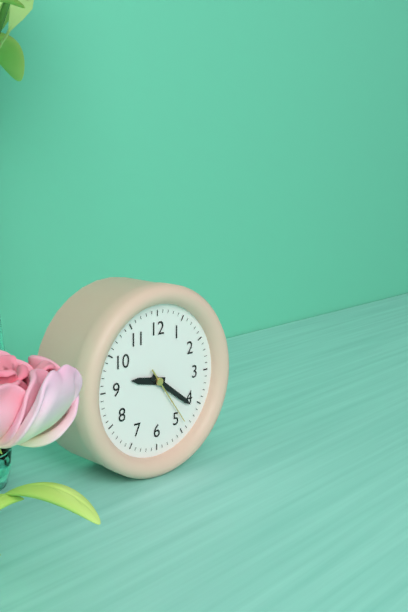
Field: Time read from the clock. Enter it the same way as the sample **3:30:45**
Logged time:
**9:21:24**
